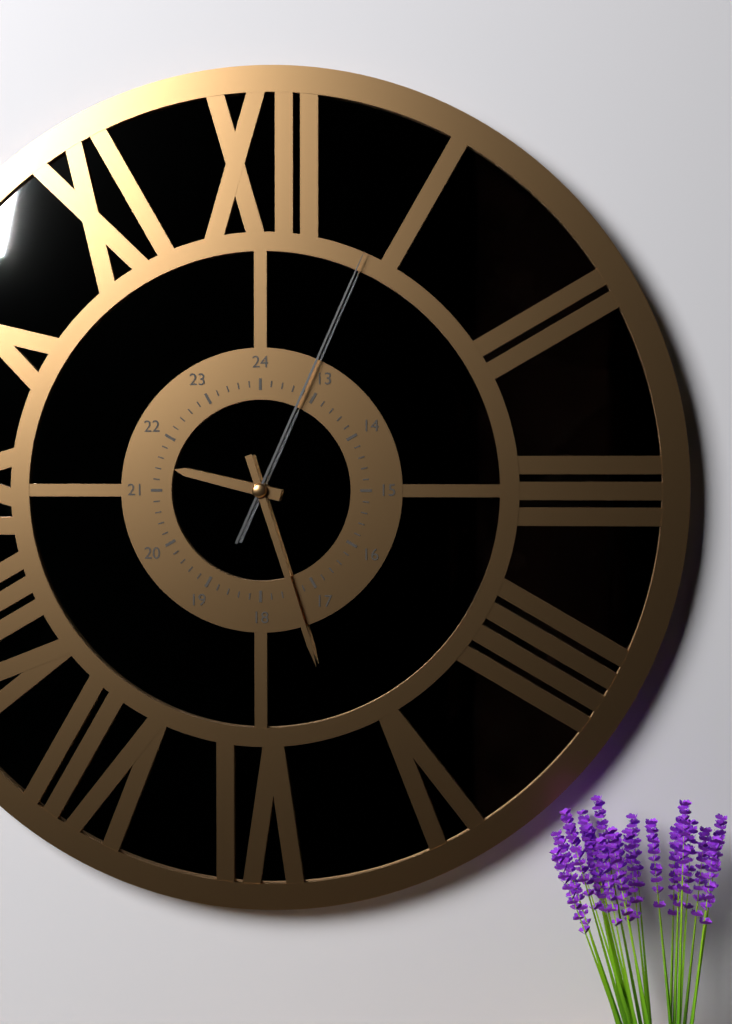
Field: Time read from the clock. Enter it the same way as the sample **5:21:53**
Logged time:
**9:27:04**
